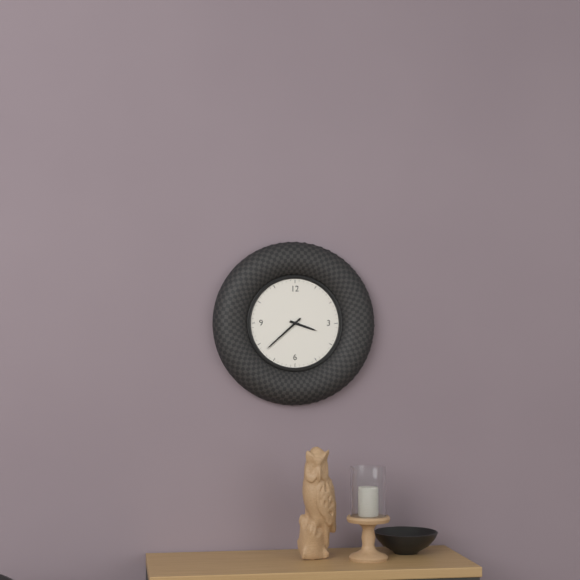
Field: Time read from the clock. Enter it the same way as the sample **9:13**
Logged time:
**3:38**
